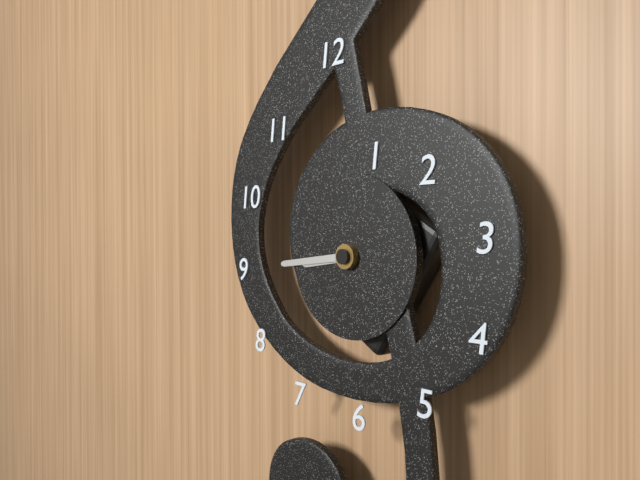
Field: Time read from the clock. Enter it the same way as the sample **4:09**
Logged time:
**8:44**
